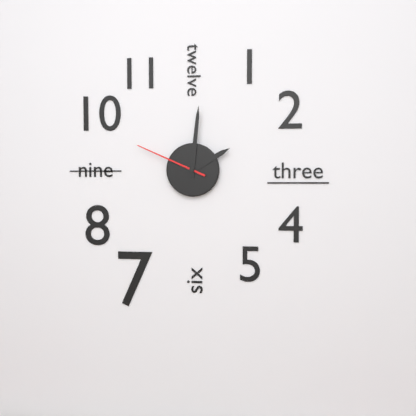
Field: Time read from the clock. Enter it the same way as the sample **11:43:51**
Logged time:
**2:01:49**
